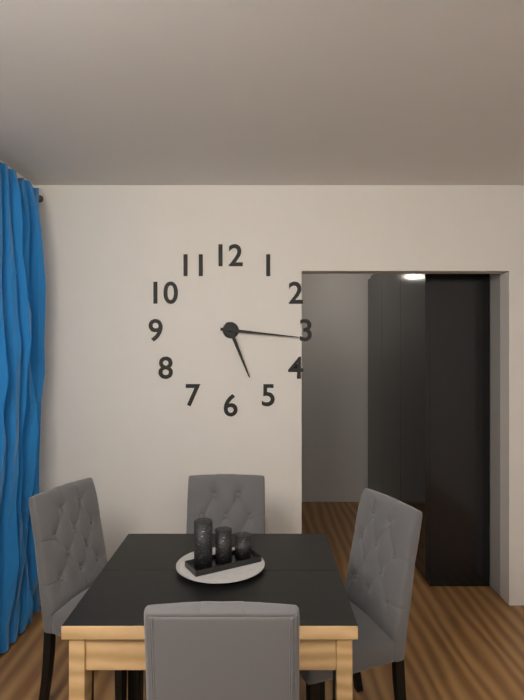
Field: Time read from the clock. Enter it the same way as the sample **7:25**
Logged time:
**5:16**
